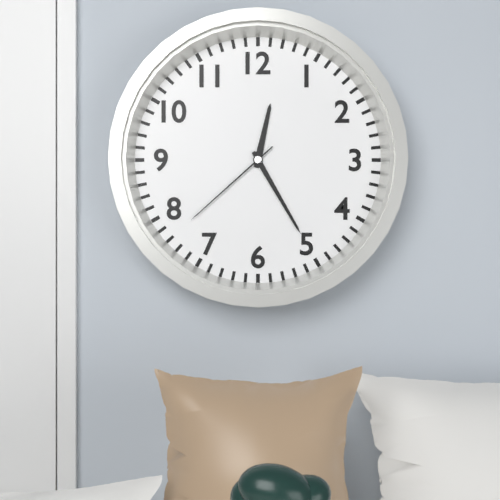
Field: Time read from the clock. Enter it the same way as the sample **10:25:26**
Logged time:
**12:25:38**
